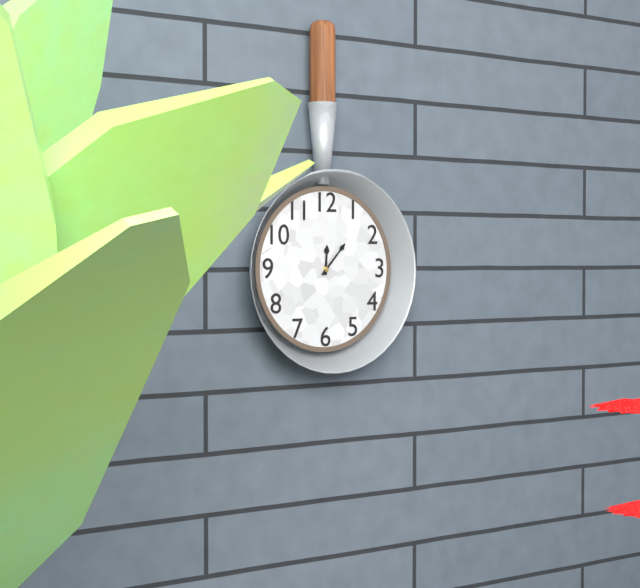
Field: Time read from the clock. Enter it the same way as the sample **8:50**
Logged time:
**12:07**
